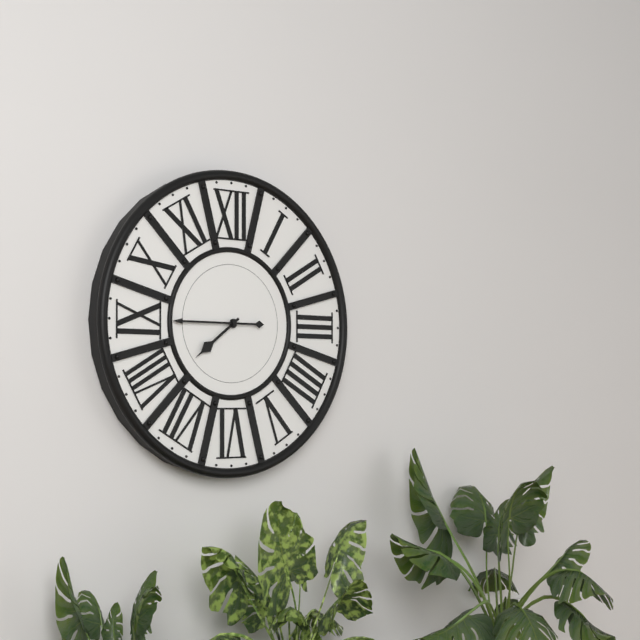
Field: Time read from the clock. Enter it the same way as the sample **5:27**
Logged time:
**7:45**
